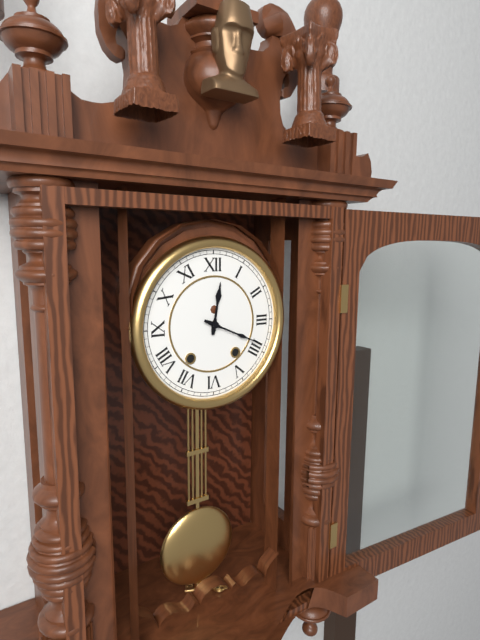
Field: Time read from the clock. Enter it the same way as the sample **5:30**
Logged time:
**12:19**
